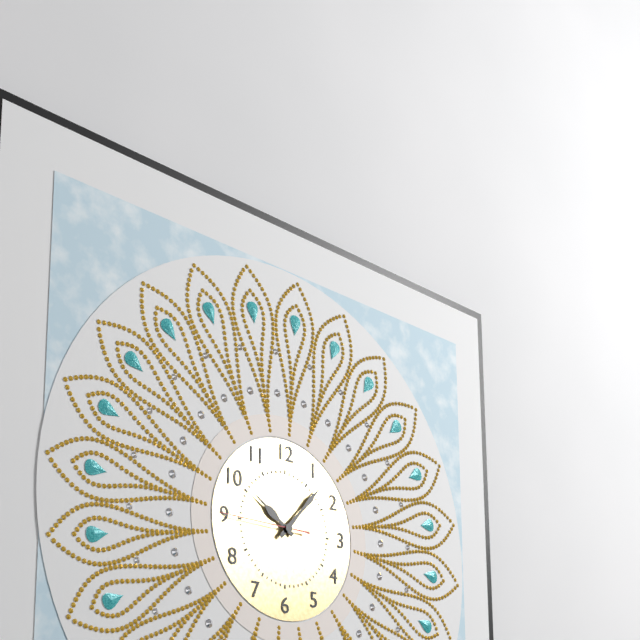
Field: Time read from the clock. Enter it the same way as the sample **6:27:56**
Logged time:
**10:07:45**
